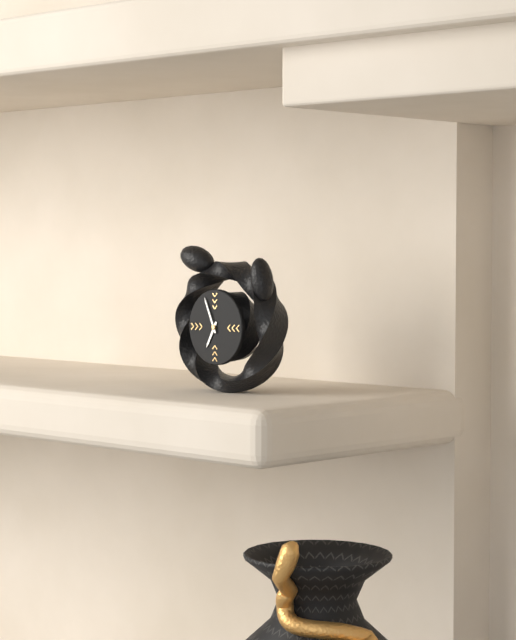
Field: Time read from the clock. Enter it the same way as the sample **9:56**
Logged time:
**6:56**
